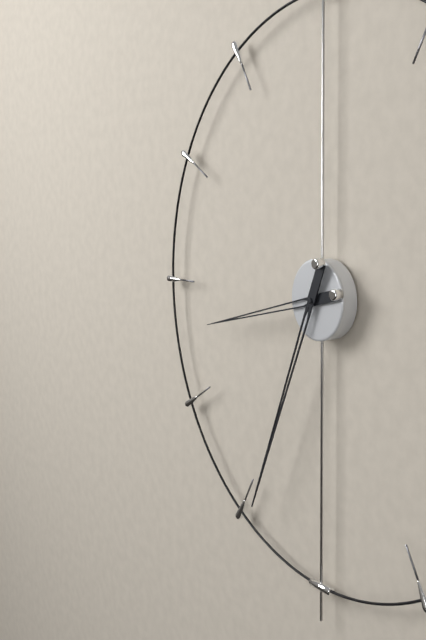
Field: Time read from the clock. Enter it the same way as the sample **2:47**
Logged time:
**8:34**
